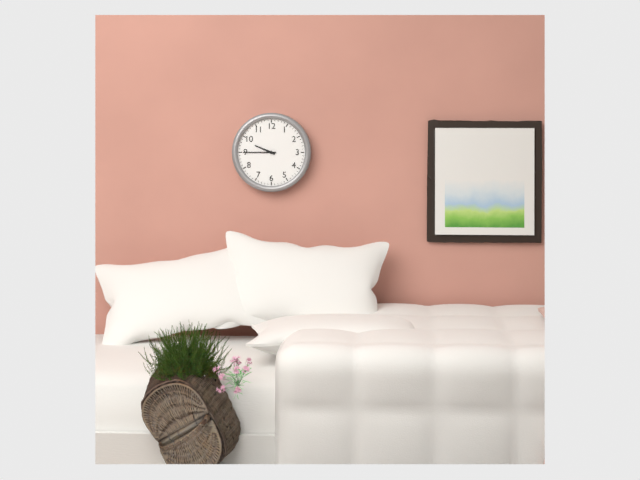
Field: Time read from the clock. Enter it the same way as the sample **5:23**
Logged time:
**9:45**
